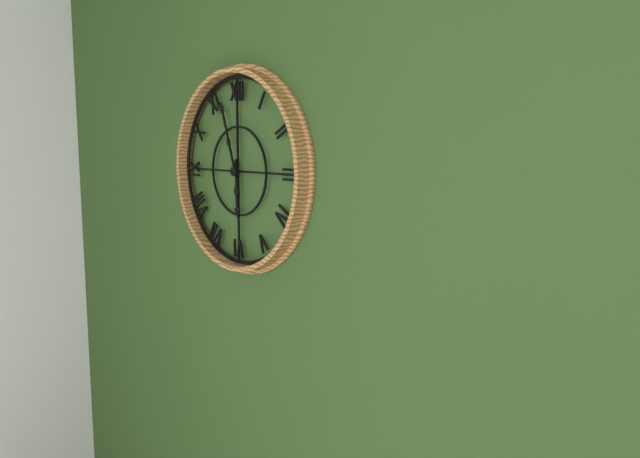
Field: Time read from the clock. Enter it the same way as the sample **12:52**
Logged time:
**5:57**
